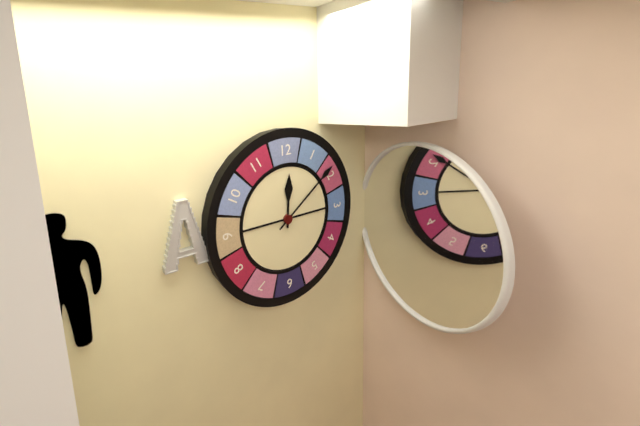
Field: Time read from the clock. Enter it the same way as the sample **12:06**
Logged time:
**12:09**
